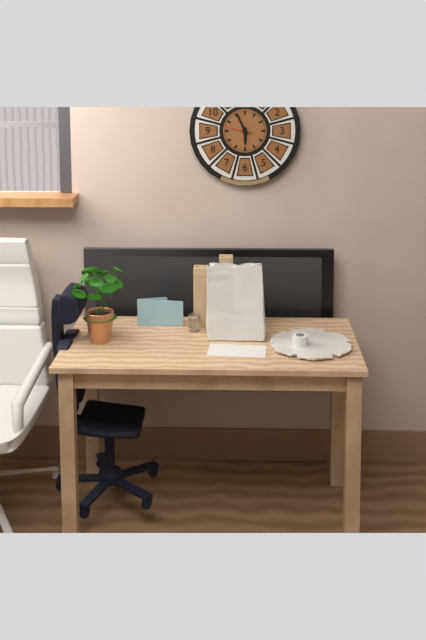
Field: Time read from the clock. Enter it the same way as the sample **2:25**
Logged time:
**5:56**
